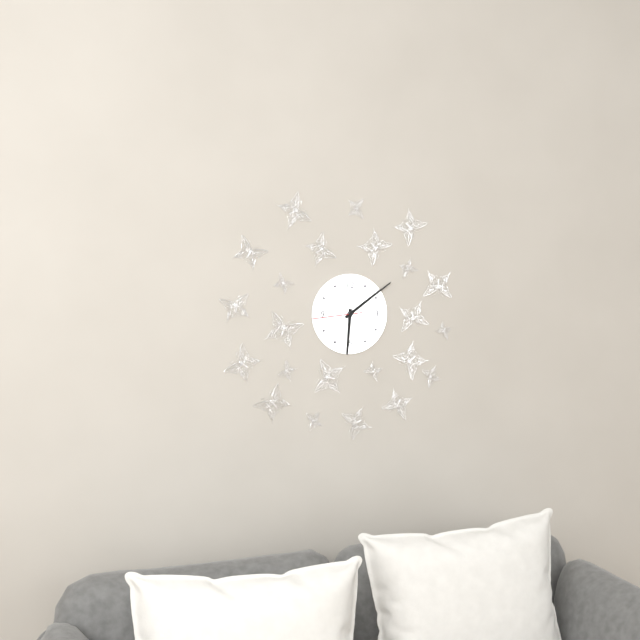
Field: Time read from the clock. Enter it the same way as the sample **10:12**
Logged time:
**6:09**
